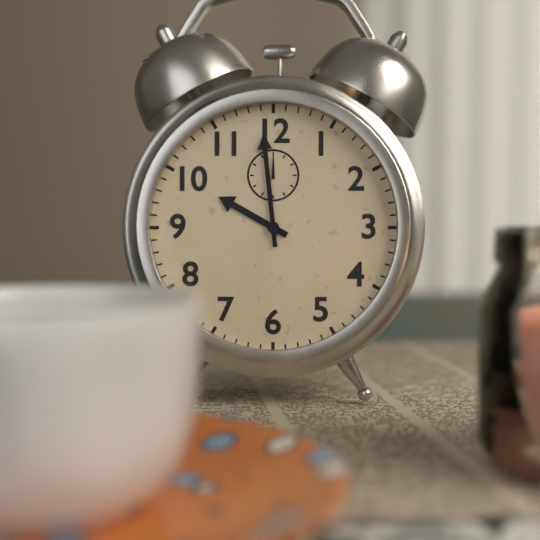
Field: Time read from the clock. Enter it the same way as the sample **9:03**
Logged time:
**9:59**
